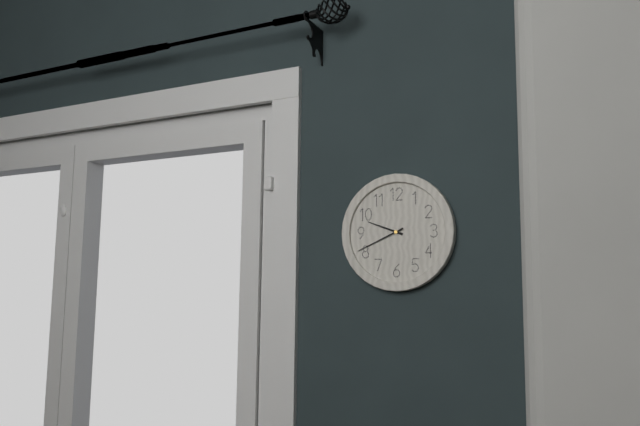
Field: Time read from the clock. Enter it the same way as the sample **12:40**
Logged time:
**9:41**
